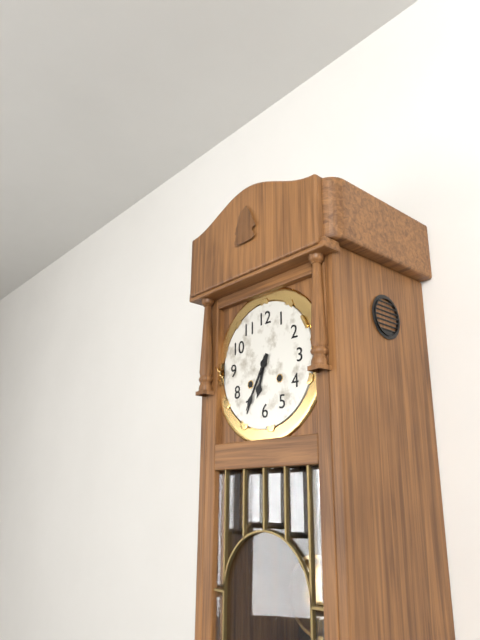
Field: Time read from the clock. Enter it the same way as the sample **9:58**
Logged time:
**6:35**
